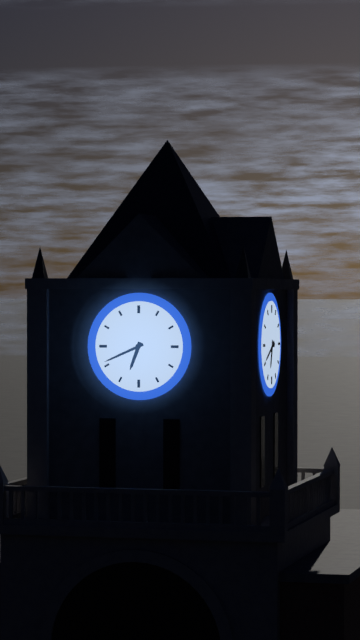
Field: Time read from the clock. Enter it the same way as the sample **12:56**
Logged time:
**6:41**
